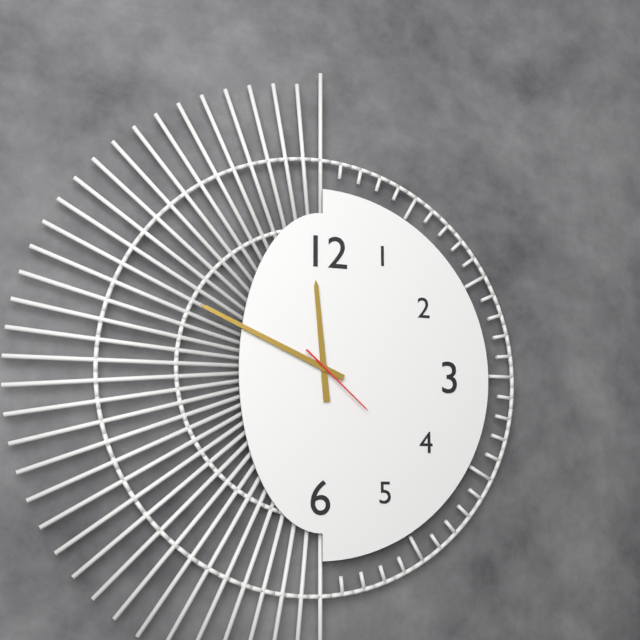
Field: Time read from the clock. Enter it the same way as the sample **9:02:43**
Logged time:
**11:49:22**
